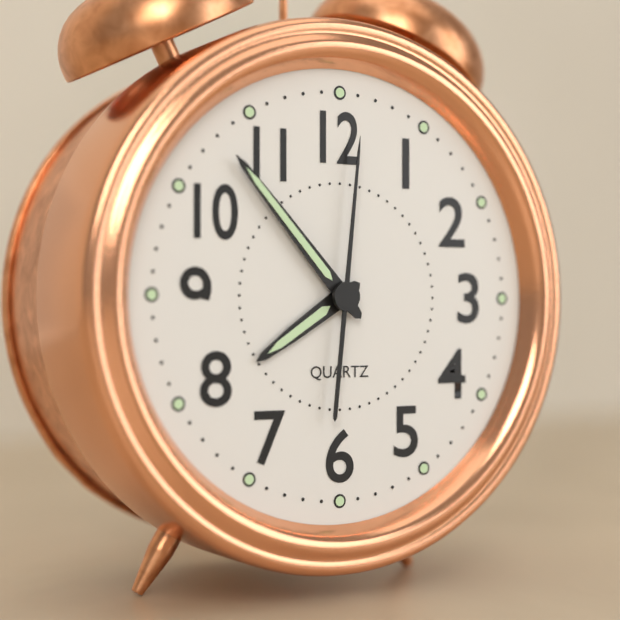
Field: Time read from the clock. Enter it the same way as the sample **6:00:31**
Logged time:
**7:53:01**
